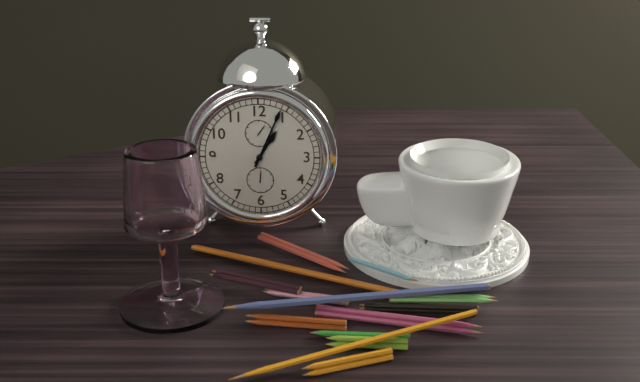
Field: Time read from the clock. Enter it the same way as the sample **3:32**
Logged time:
**1:04**
